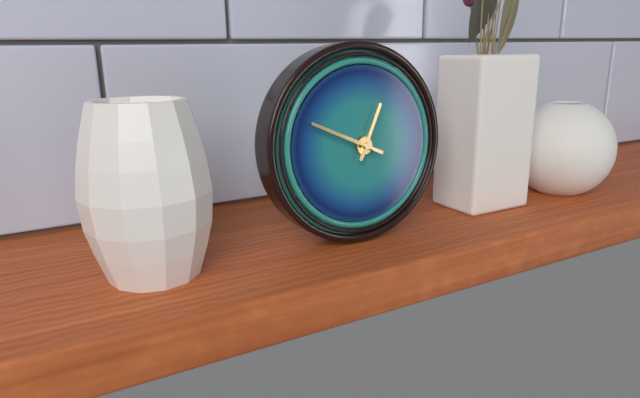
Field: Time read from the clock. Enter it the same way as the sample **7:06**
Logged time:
**12:49**
